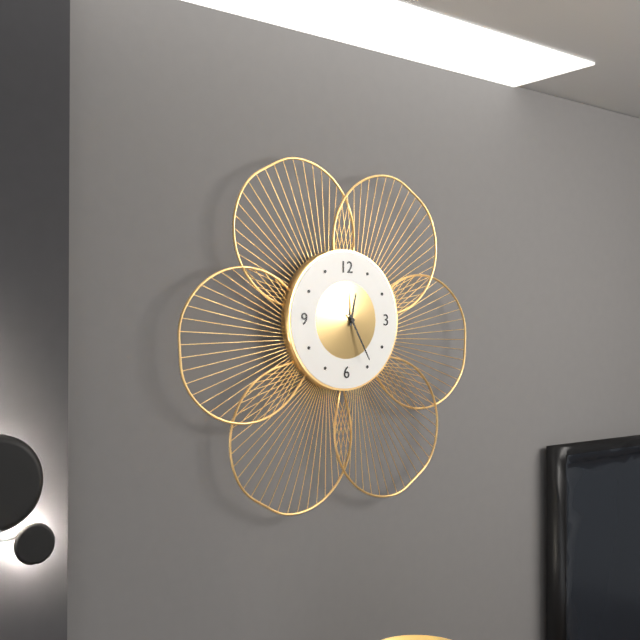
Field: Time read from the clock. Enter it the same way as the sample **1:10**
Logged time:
**12:25**
